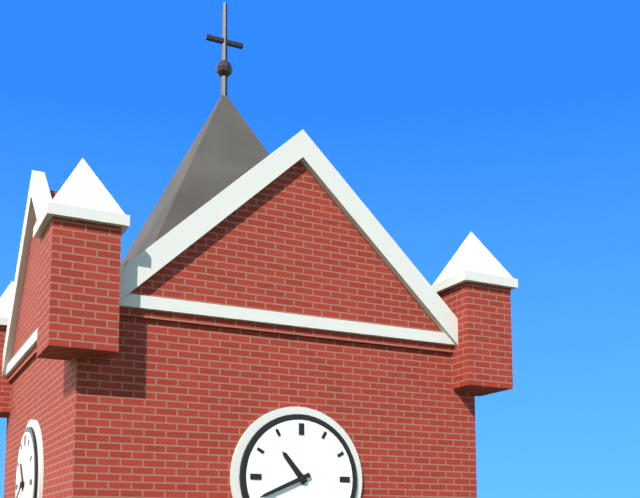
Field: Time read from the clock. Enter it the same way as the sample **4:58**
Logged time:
**10:41**
